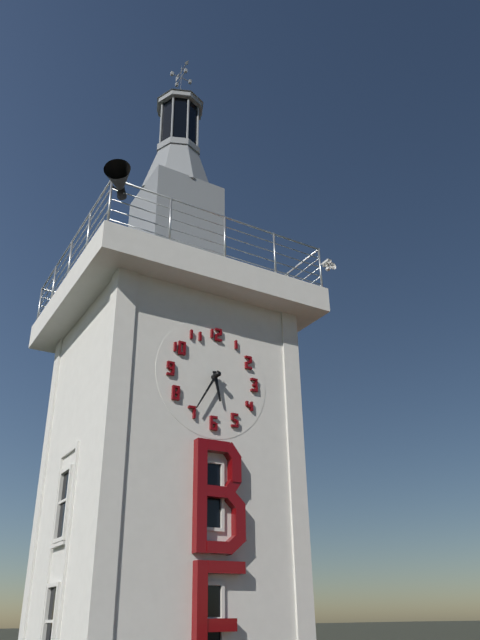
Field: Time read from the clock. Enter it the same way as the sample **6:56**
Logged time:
**5:35**
